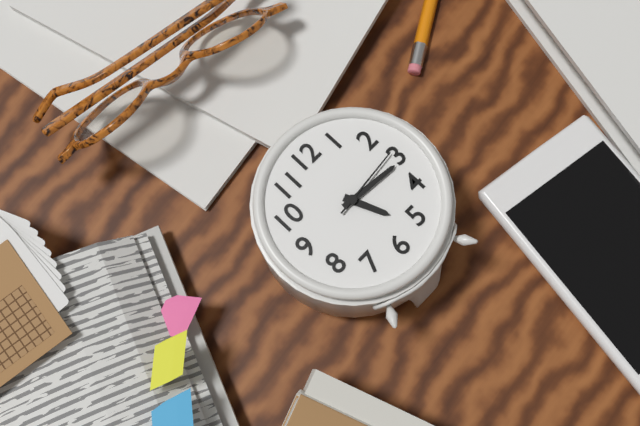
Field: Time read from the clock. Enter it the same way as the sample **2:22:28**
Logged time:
**5:16:14**
